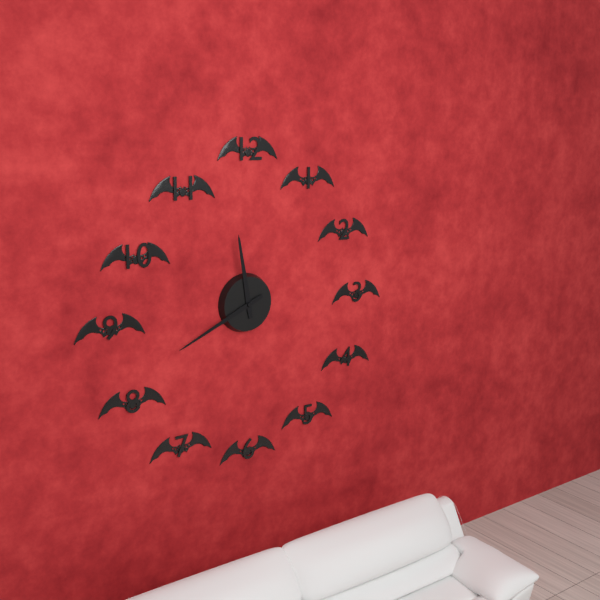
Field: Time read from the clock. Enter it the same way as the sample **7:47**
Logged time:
**11:41**
